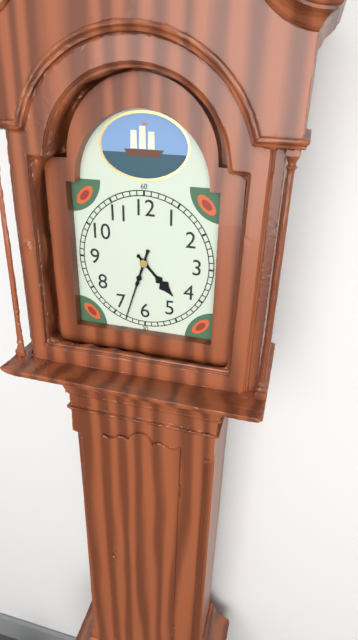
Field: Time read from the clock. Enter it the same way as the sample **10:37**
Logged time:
**4:33**
